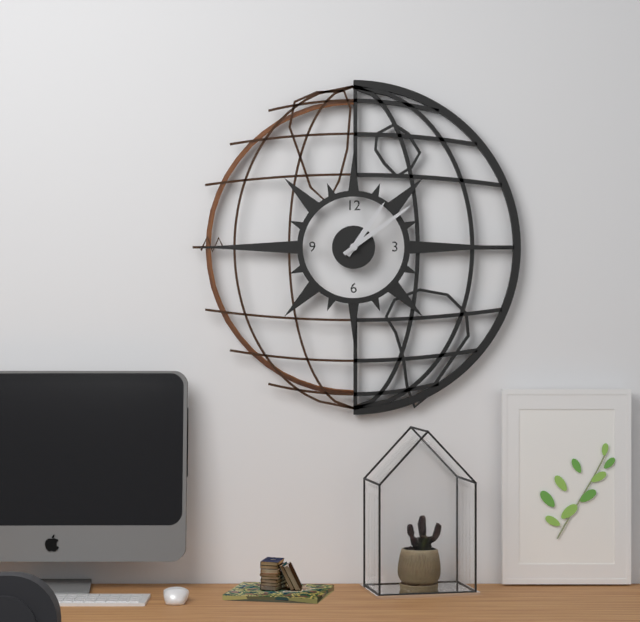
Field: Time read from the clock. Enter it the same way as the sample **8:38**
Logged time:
**1:09**
